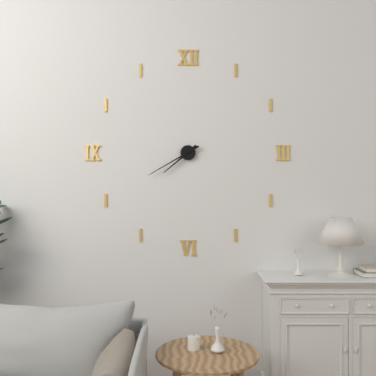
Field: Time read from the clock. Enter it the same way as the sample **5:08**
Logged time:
**7:40**
